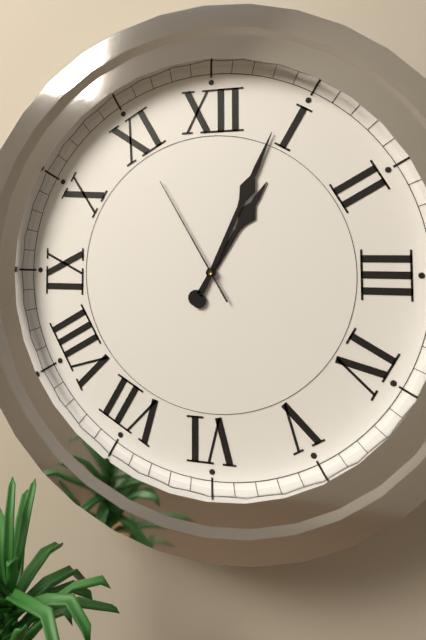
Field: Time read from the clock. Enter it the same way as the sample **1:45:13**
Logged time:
**1:04:55**
